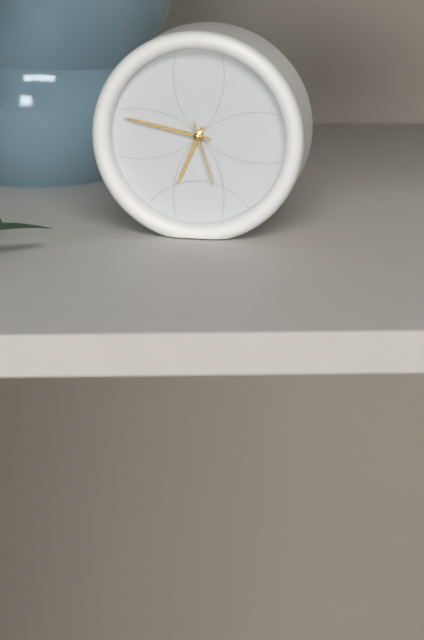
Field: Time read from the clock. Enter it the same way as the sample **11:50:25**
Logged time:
**6:47:27**
